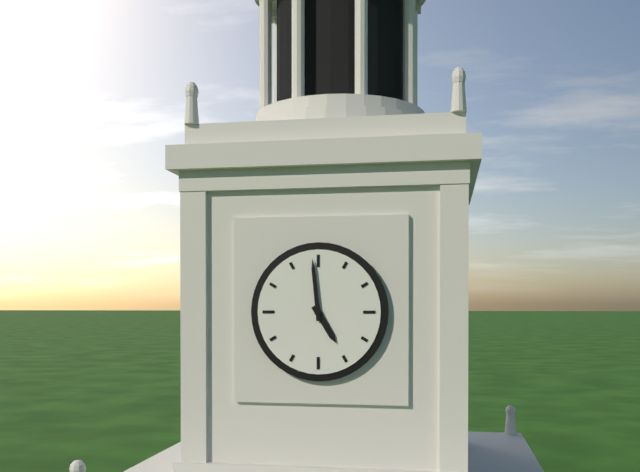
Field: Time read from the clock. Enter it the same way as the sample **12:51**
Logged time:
**4:59**
